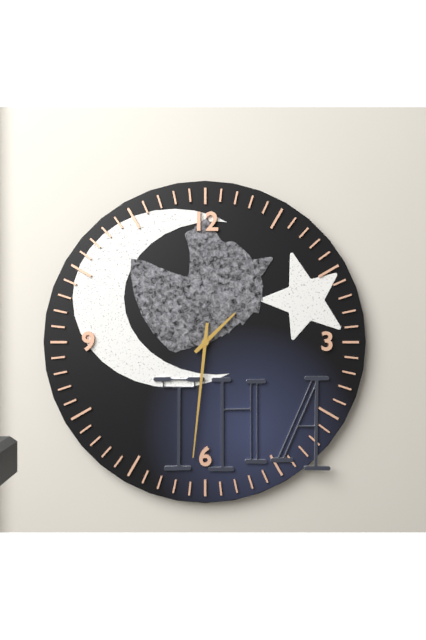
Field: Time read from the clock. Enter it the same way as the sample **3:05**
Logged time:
**1:31**
